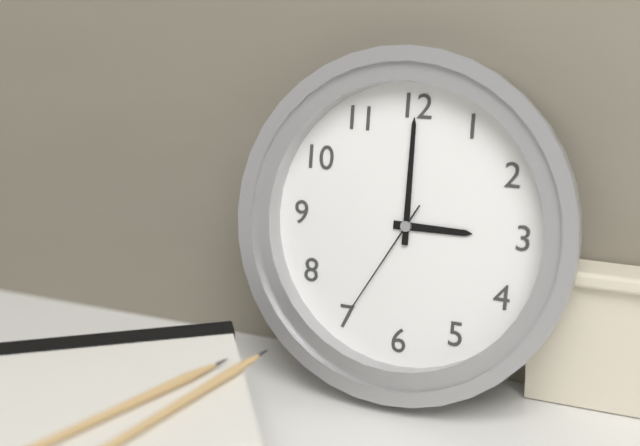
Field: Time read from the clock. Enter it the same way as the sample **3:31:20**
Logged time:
**3:00:35**
